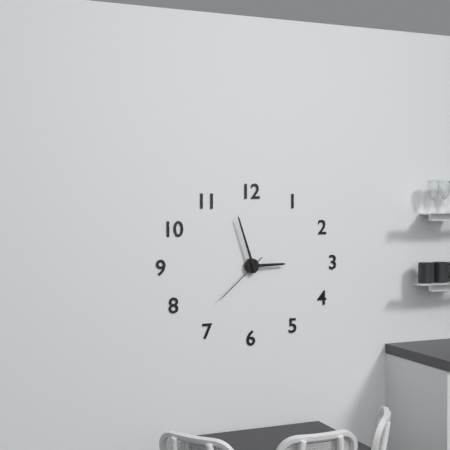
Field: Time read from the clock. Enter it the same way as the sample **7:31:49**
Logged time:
**2:57:38**
